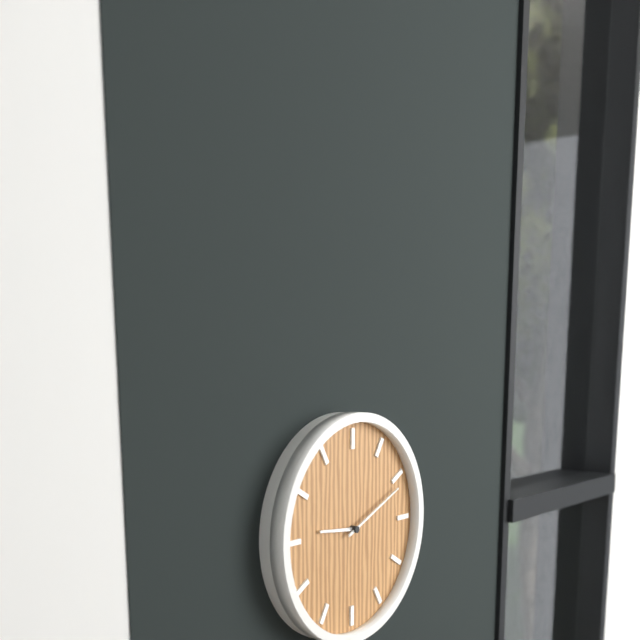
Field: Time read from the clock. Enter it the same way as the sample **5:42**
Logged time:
**9:11**
